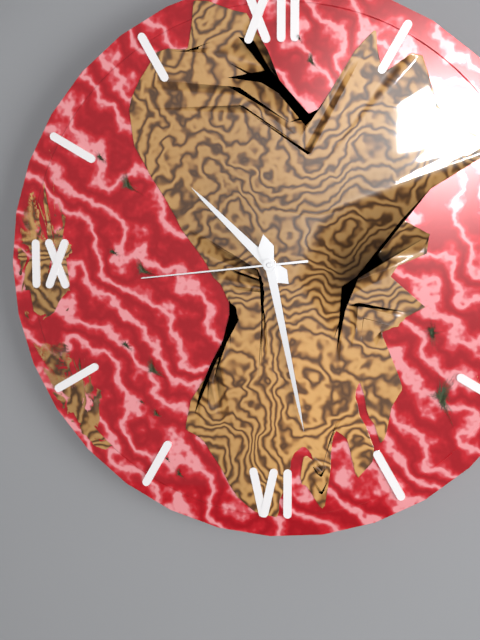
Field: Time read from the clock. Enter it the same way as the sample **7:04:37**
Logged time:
**10:28:44**
